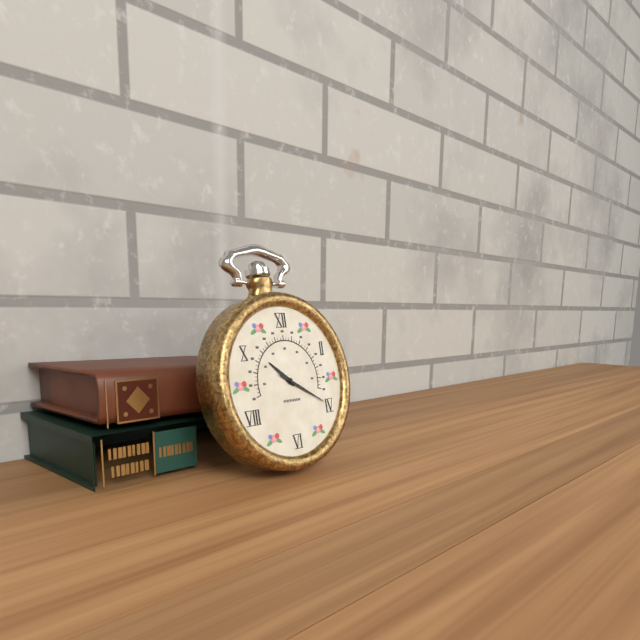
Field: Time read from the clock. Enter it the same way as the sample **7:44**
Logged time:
**10:20**
